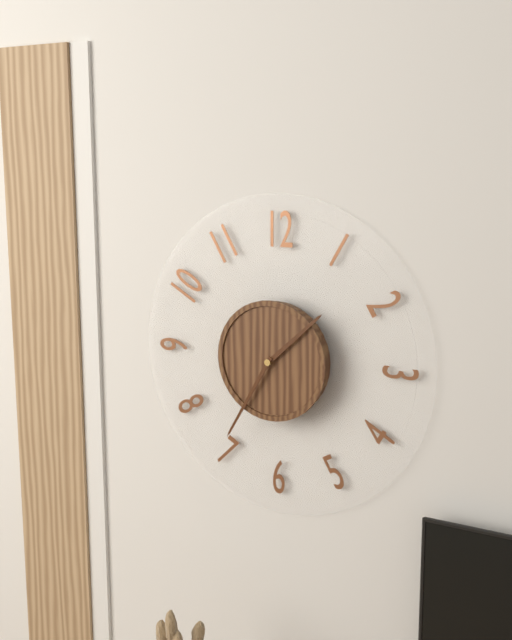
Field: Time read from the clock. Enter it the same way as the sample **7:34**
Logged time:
**1:35**
